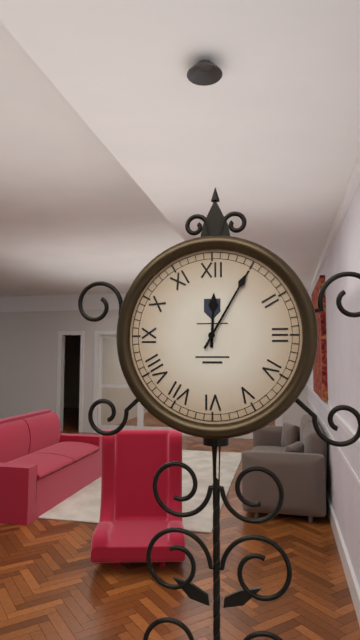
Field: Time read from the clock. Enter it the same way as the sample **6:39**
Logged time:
**12:05**
